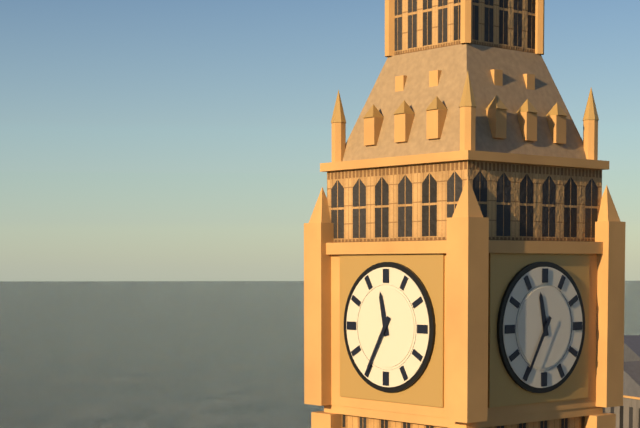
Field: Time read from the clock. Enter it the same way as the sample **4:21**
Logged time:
**11:35**
